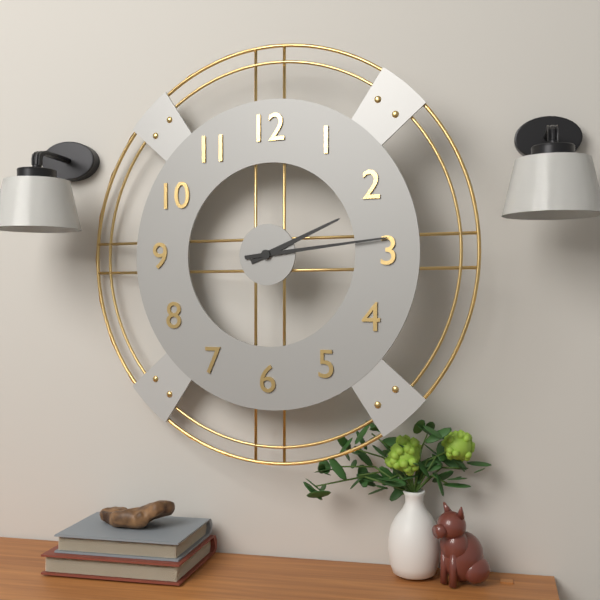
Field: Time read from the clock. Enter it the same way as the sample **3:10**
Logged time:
**2:14**
